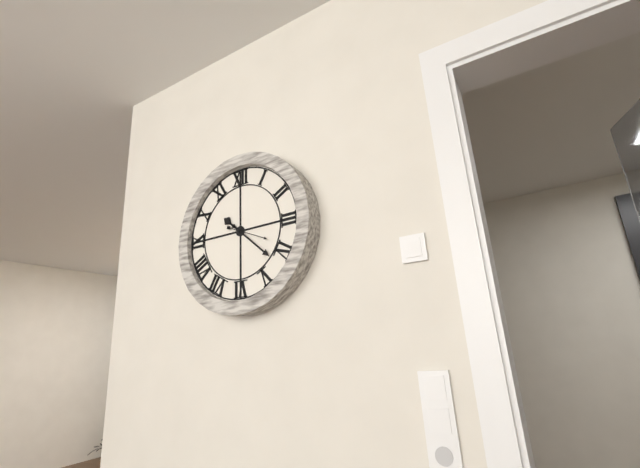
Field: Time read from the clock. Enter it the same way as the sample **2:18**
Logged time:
**10:22**
